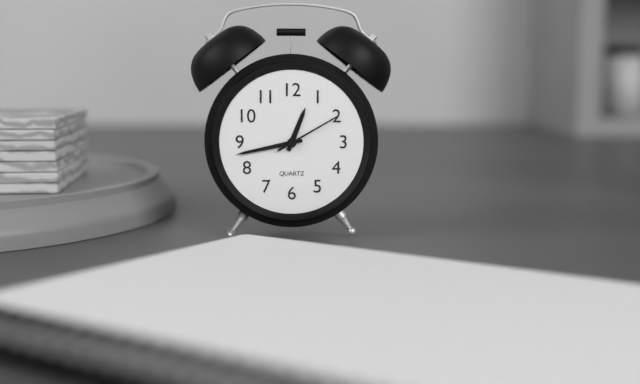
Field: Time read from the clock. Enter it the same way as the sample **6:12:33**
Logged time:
**12:43:10**
